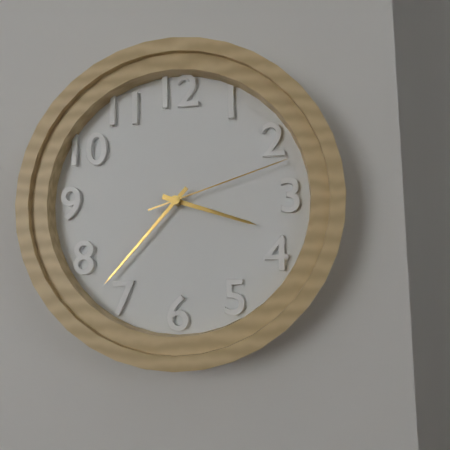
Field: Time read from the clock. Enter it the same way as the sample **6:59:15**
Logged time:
**3:37:12**
